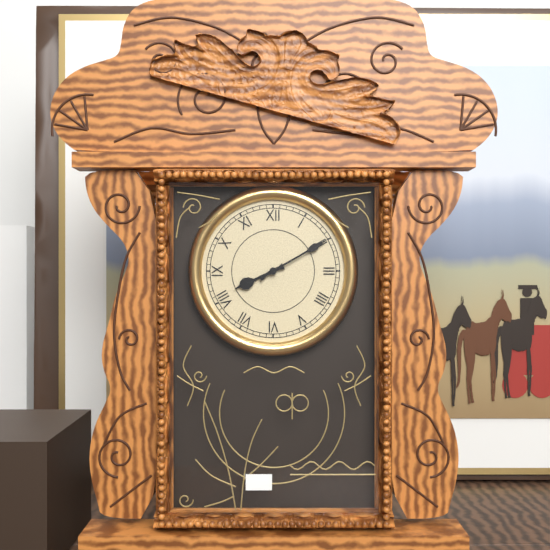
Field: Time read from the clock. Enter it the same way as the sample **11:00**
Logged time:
**8:10**
